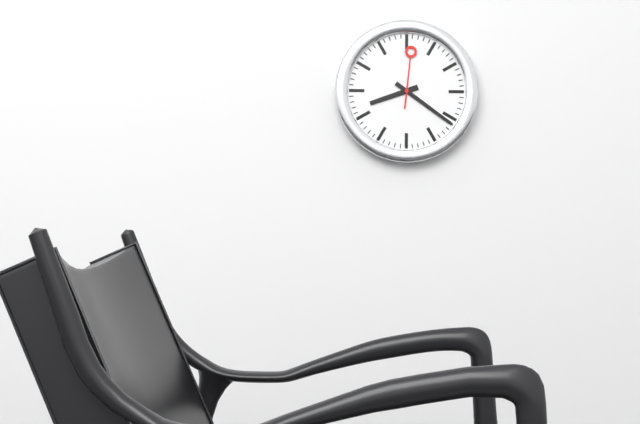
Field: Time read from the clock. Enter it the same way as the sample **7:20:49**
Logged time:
**8:21:01**
